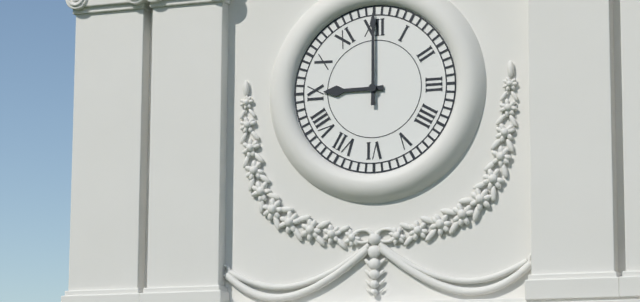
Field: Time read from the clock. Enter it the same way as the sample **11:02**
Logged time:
**9:00**
